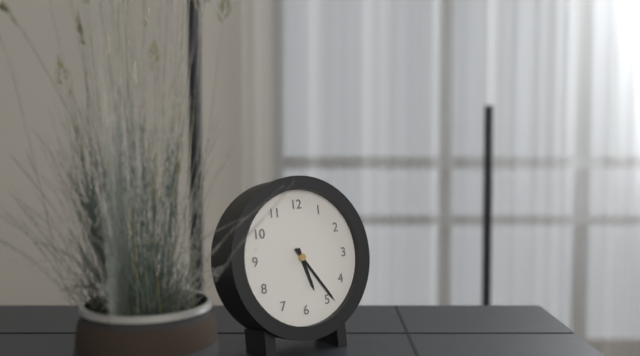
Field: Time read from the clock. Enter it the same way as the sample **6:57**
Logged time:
**5:24**
